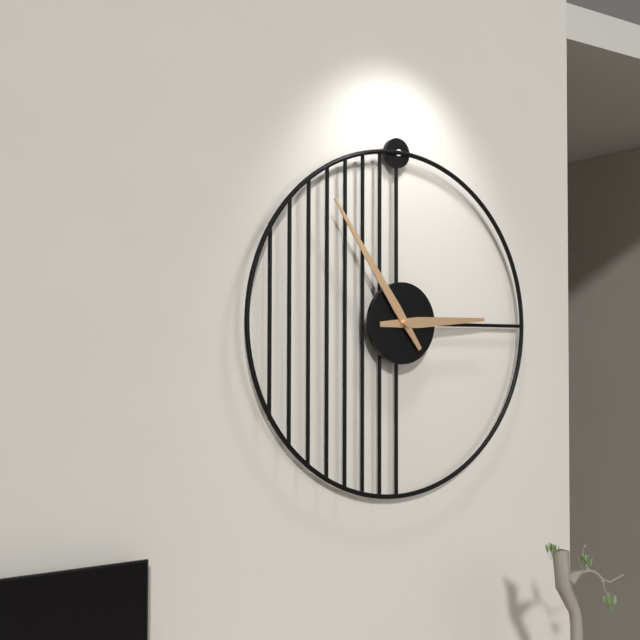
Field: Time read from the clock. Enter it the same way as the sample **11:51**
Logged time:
**2:54**
